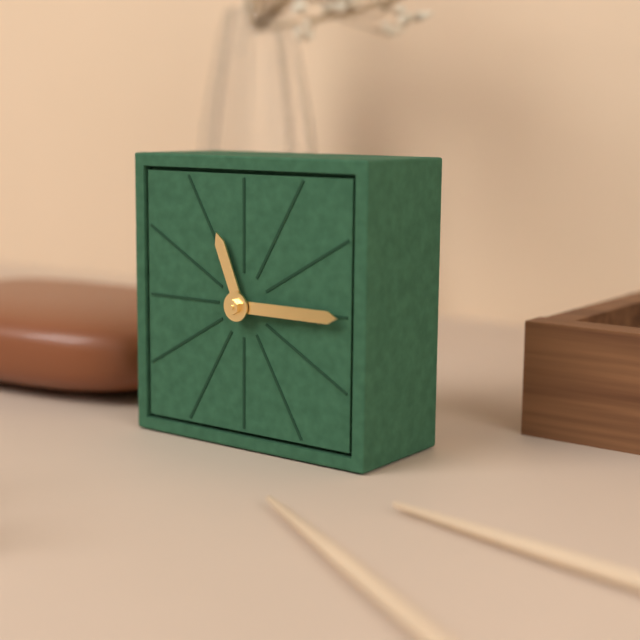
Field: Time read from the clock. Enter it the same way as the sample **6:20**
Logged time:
**11:15**
